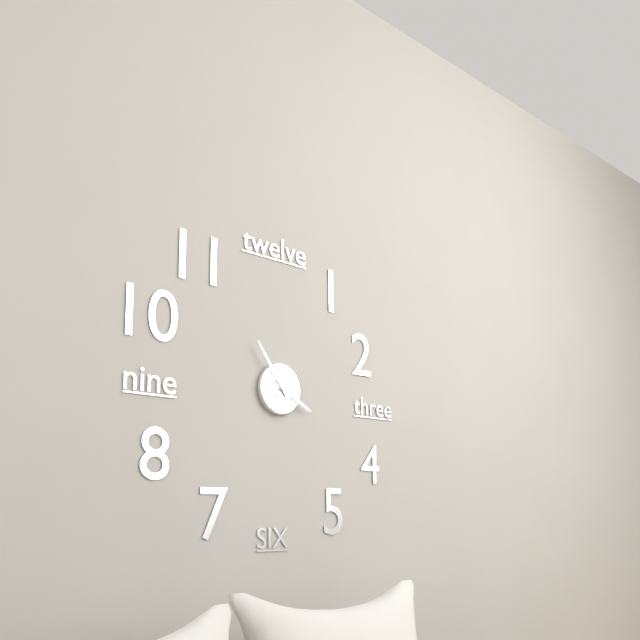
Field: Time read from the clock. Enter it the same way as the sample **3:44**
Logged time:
**3:54**
